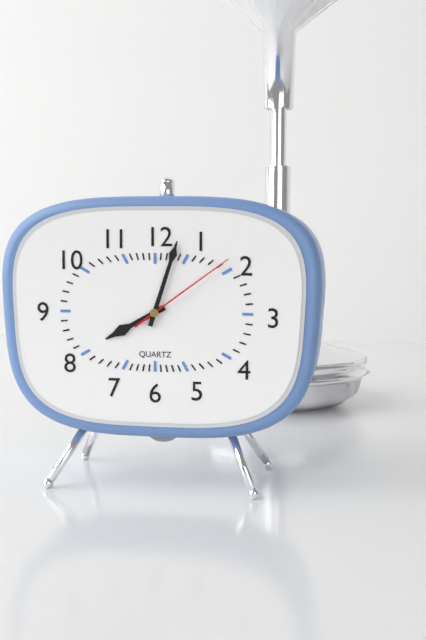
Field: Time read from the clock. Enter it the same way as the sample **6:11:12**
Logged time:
**8:03:09**
